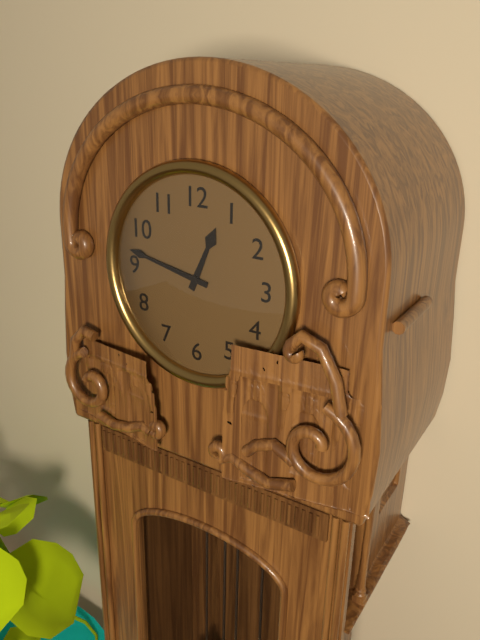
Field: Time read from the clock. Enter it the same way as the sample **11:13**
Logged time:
**12:47**
